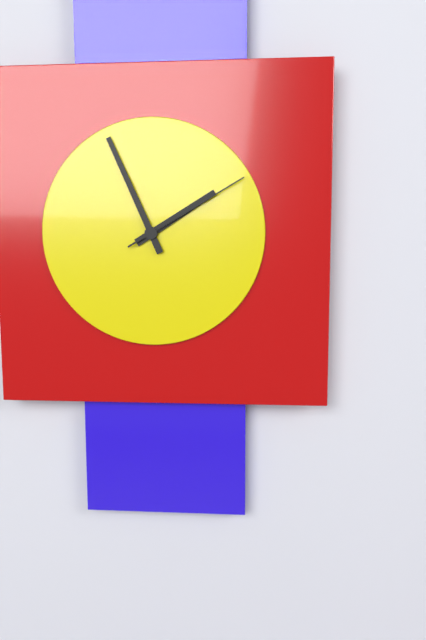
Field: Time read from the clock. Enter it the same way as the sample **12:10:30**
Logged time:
**1:56:10**
